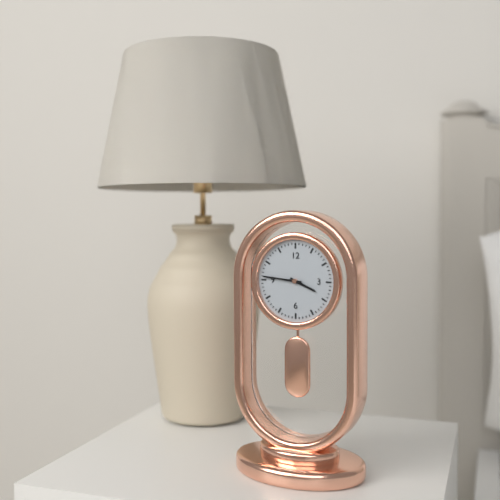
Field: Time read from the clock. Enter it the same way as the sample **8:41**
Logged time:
**3:46**
